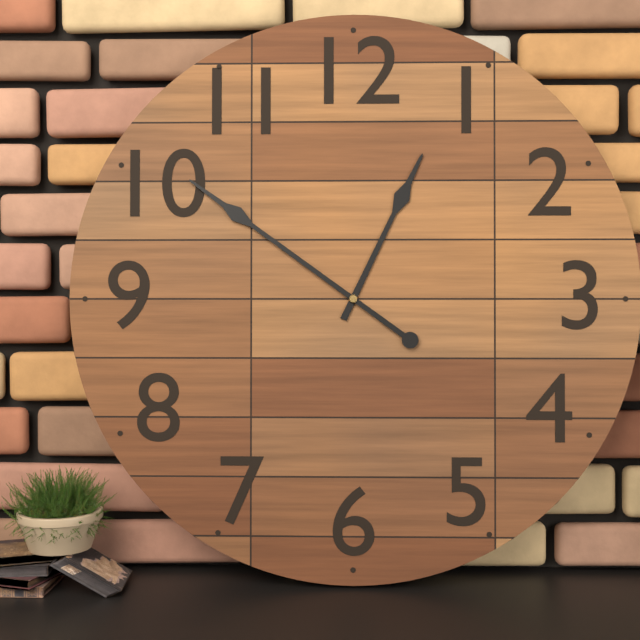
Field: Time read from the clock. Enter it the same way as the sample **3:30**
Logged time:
**12:51**
